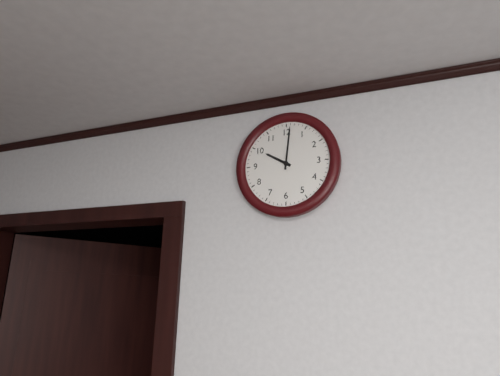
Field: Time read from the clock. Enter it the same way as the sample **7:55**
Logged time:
**10:01**
